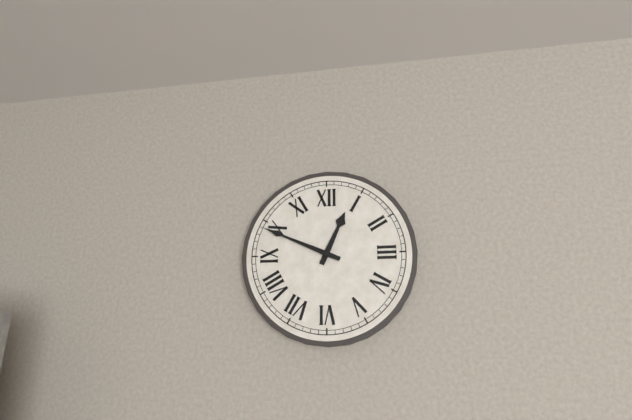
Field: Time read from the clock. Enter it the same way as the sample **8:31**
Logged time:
**12:49**
